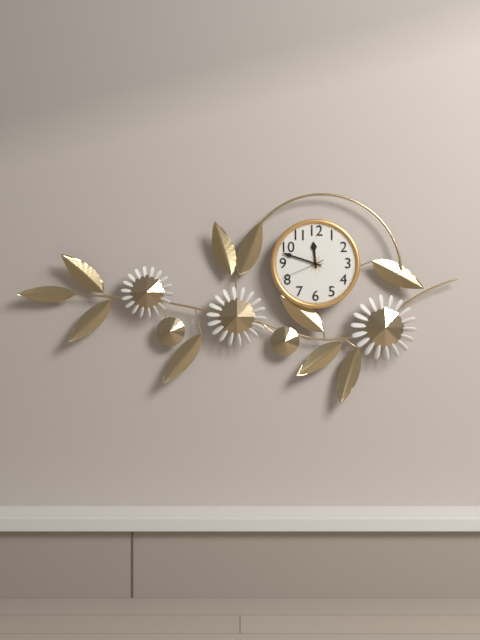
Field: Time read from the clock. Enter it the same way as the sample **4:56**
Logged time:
**11:48**
